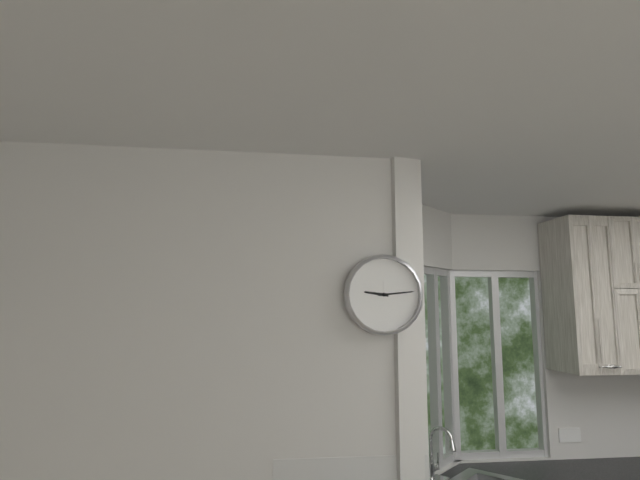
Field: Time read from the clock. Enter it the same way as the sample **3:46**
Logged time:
**9:14**
